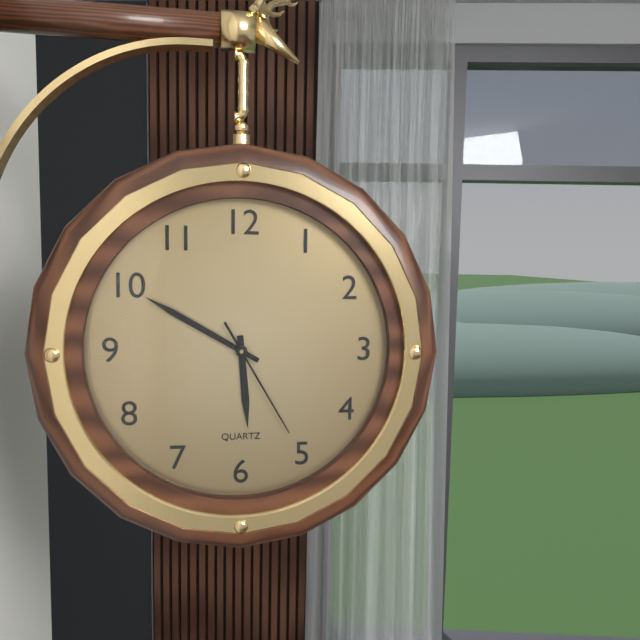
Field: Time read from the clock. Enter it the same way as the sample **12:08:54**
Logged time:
**5:50:25**
